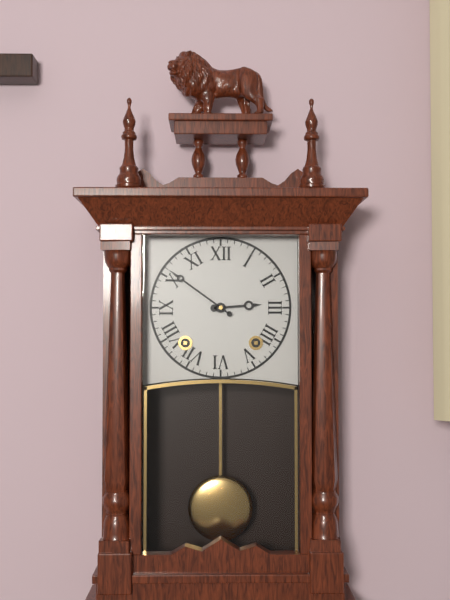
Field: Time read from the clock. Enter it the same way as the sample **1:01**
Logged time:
**2:51**
